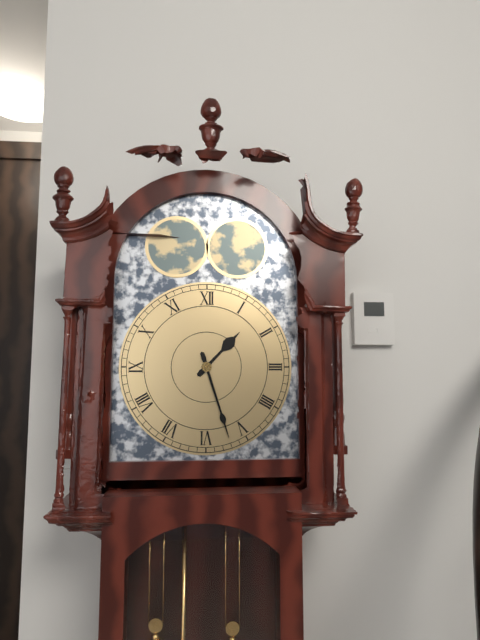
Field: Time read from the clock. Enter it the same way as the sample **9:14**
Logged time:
**1:27**
